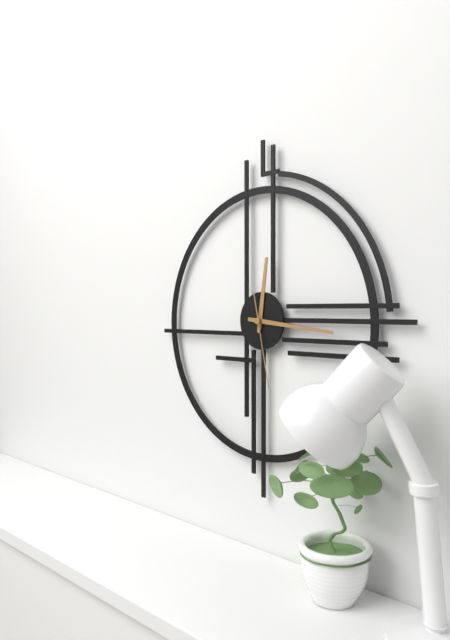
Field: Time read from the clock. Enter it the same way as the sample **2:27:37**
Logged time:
**12:16:28**
